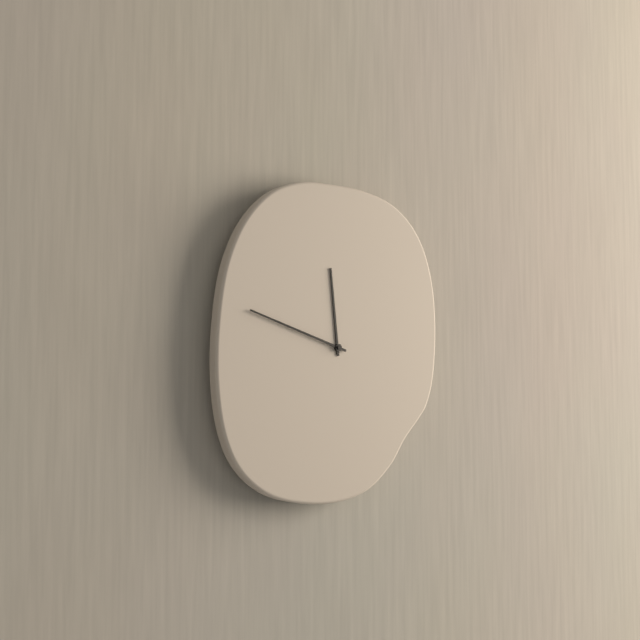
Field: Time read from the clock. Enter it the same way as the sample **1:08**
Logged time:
**11:48**
